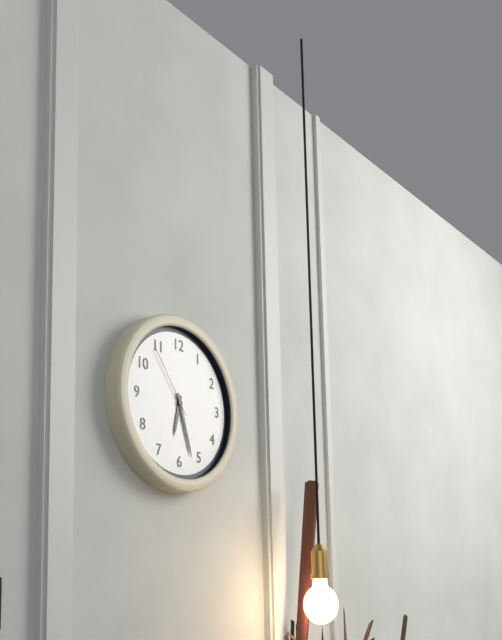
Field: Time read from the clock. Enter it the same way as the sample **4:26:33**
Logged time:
**6:27:54**
